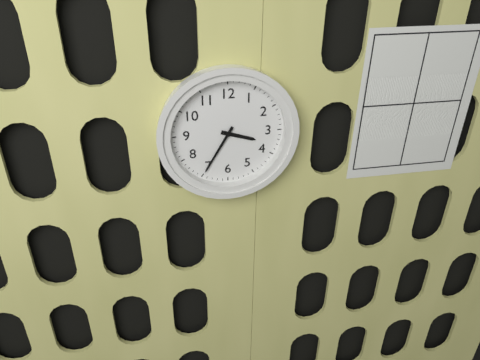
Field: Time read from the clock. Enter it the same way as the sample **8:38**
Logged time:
**3:35**
